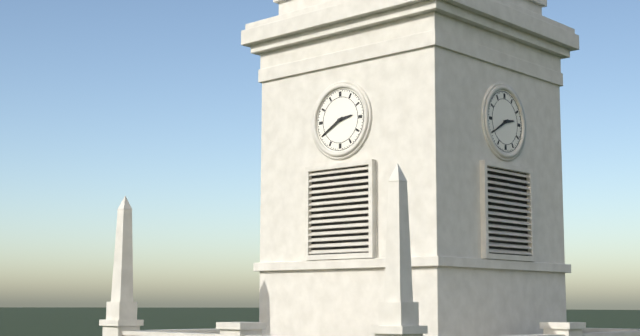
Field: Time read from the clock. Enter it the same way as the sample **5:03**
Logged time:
**2:40**
